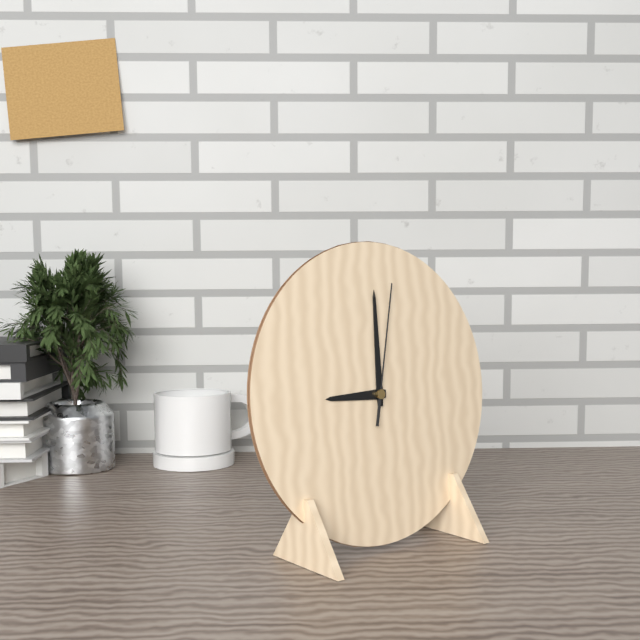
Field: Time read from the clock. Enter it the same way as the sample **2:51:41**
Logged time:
**9:00:02**
